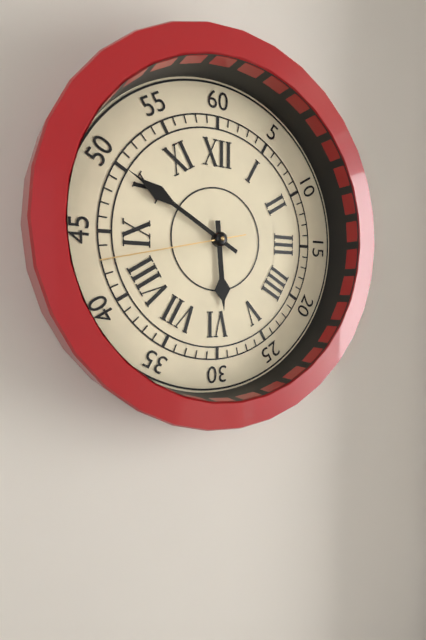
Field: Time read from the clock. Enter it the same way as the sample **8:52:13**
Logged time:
**5:50:43**
